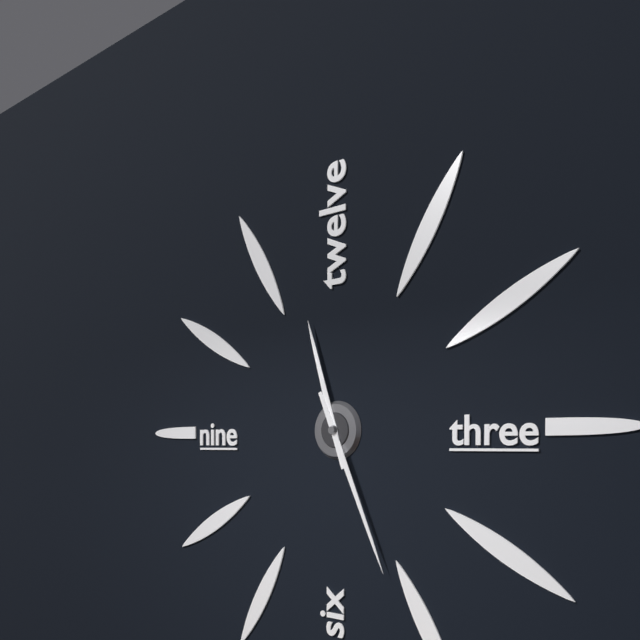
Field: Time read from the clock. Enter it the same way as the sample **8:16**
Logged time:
**11:26**
